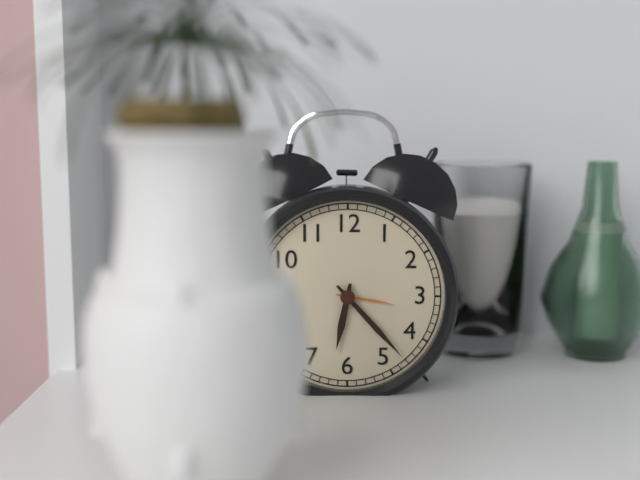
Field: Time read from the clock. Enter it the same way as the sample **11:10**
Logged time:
**6:23**
